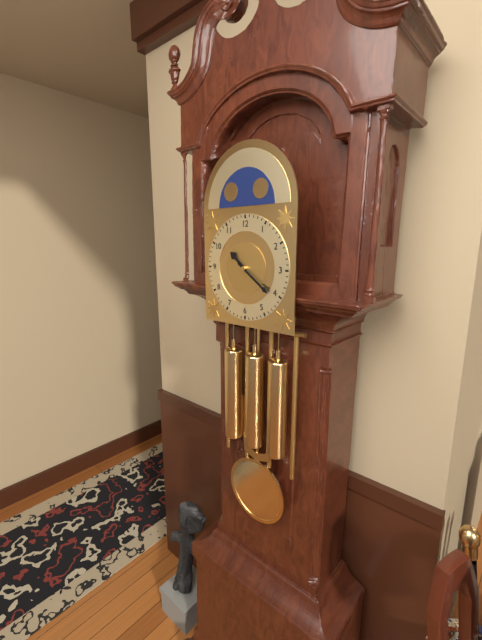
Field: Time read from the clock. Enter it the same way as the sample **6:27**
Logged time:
**10:21**
